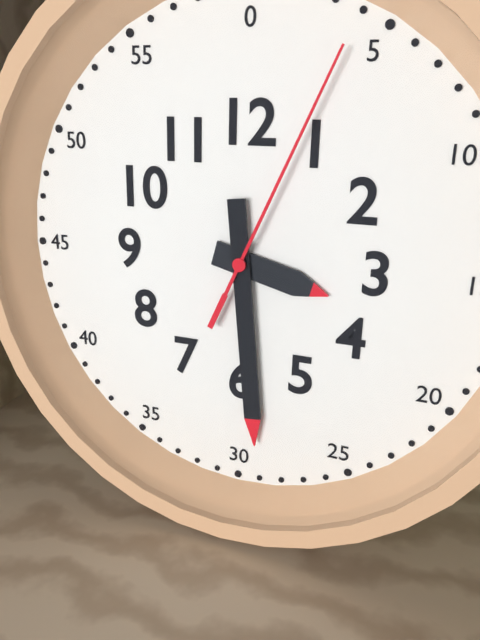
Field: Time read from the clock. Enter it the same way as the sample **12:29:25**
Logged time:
**3:29:04**
